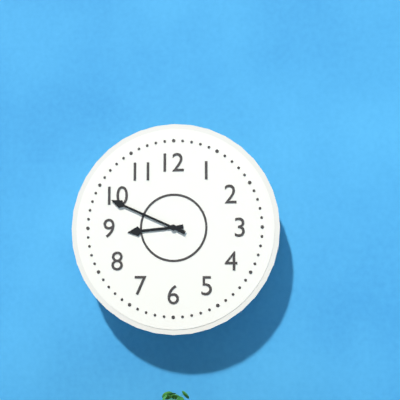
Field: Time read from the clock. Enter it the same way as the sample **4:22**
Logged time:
**8:49**
